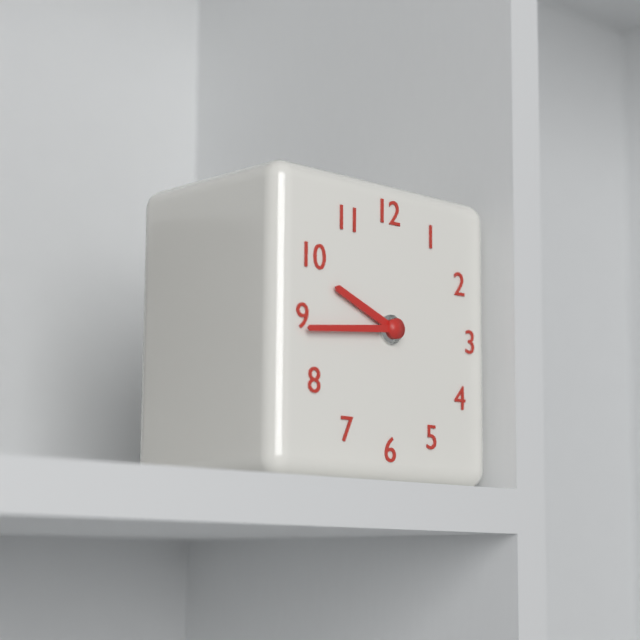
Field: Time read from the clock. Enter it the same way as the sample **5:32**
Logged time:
**9:44**
